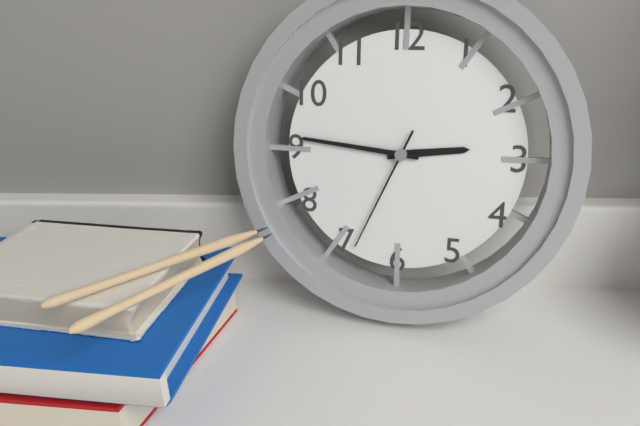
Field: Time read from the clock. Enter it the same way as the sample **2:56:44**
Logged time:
**2:46:34**
